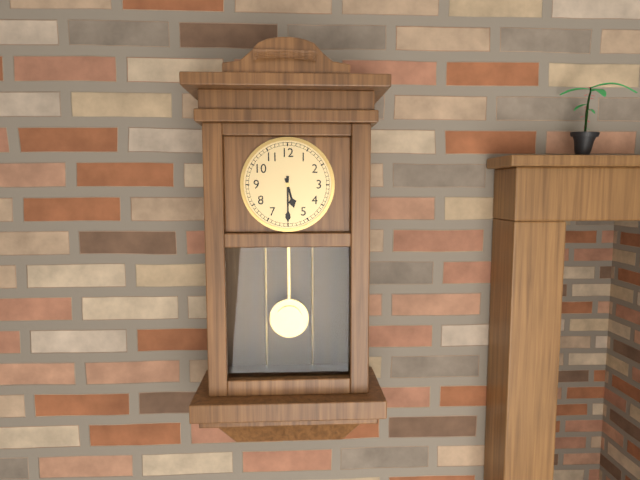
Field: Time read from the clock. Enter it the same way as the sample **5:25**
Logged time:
**5:30**
